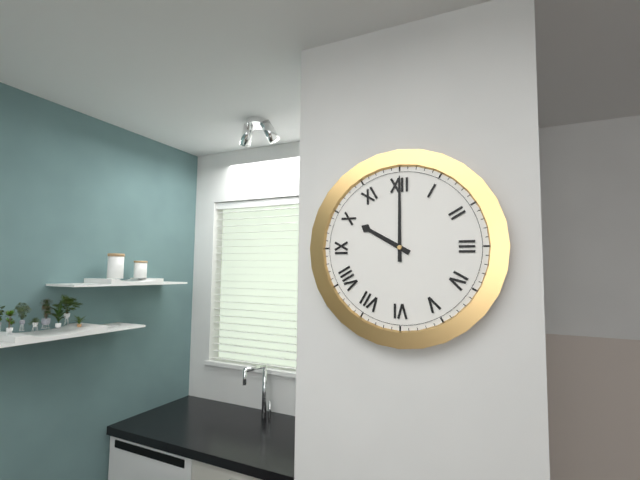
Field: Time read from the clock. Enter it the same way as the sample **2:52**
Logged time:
**10:00**
